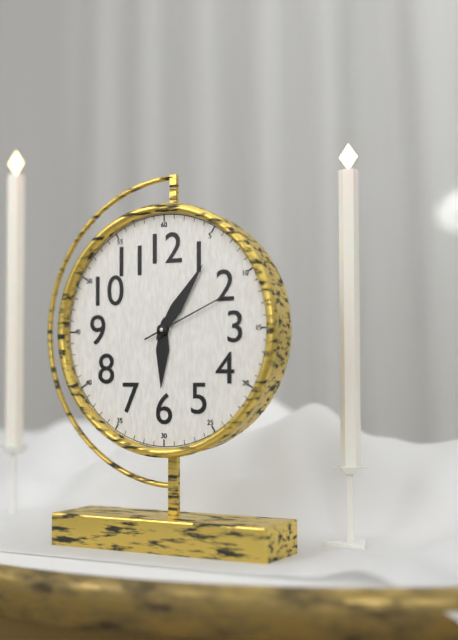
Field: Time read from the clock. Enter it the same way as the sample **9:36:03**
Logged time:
**6:06:11**
